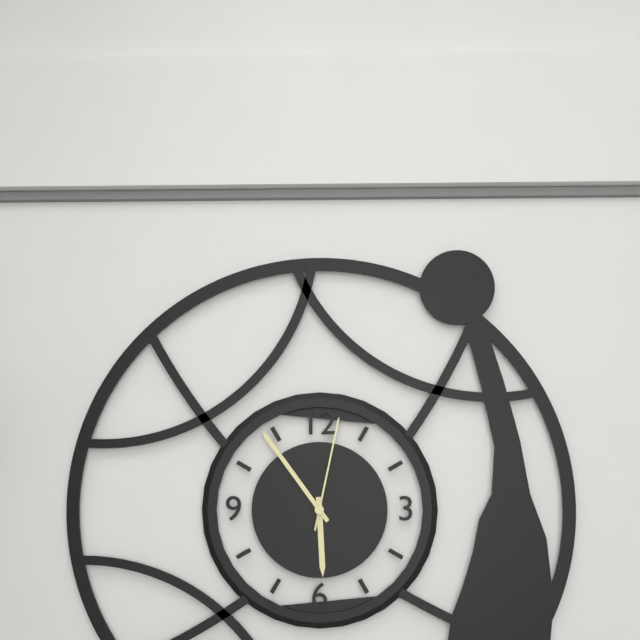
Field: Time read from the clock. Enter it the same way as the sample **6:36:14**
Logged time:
**5:54:02**
